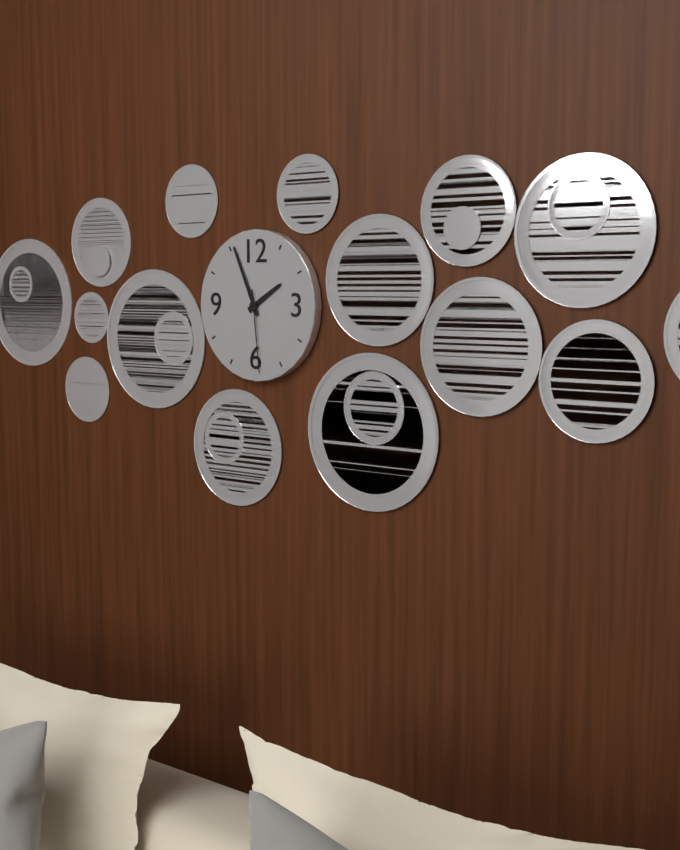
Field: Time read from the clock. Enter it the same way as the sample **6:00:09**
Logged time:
**1:56:29**
